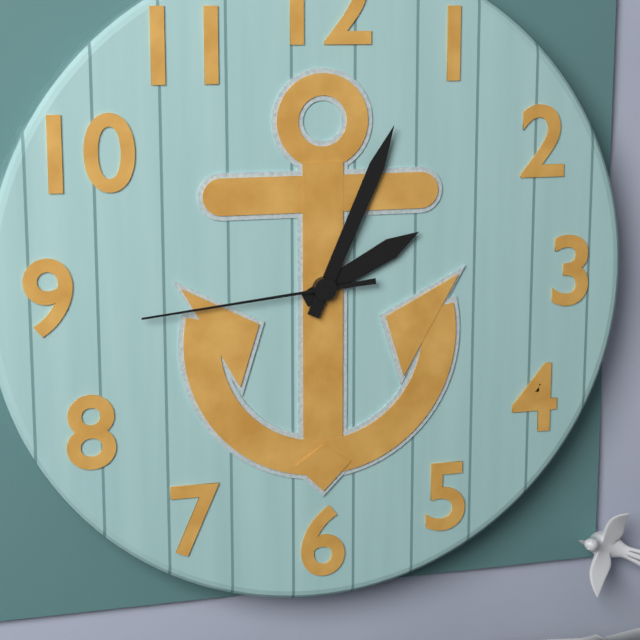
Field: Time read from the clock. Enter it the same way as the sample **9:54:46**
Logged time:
**2:04:44**
